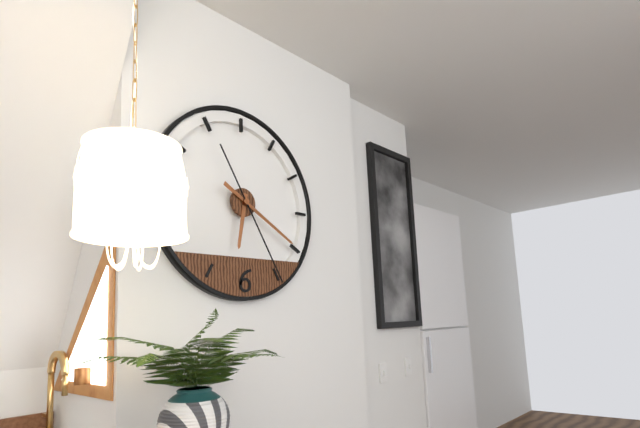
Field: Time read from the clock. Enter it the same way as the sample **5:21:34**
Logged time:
**6:20:25**
